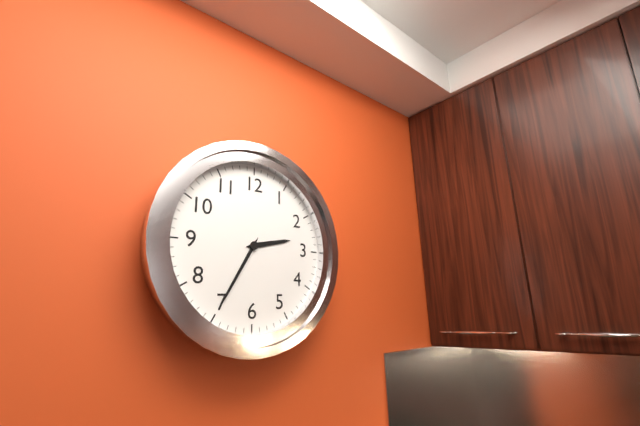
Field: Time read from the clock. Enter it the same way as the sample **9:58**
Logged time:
**2:35**
